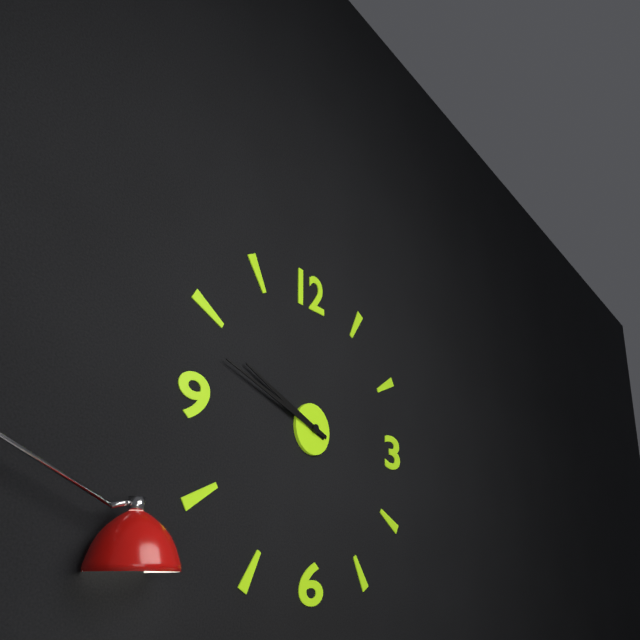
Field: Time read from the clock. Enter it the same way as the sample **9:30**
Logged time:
**9:48**
